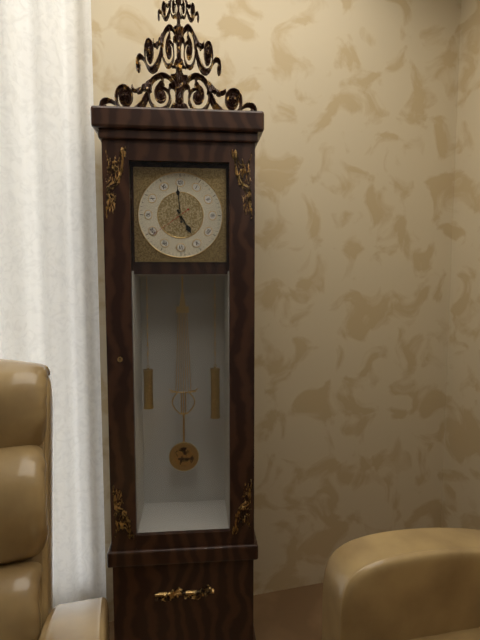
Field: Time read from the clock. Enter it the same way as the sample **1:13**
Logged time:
**4:59**
